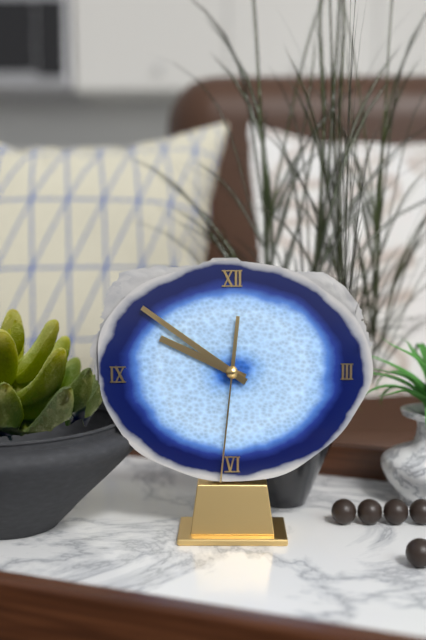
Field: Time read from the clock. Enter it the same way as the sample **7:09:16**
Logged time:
**9:51:31**
